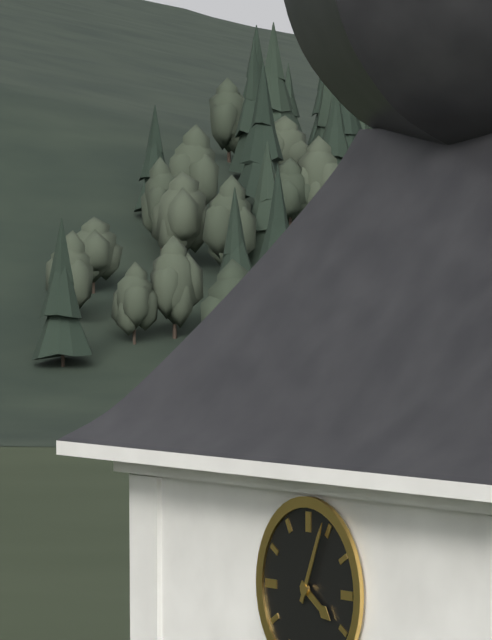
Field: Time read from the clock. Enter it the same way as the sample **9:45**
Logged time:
**4:04**
